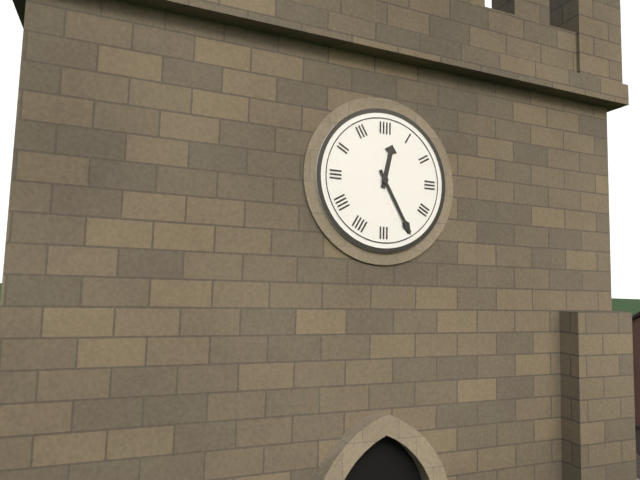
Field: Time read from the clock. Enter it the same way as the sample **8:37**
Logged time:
**12:25**
